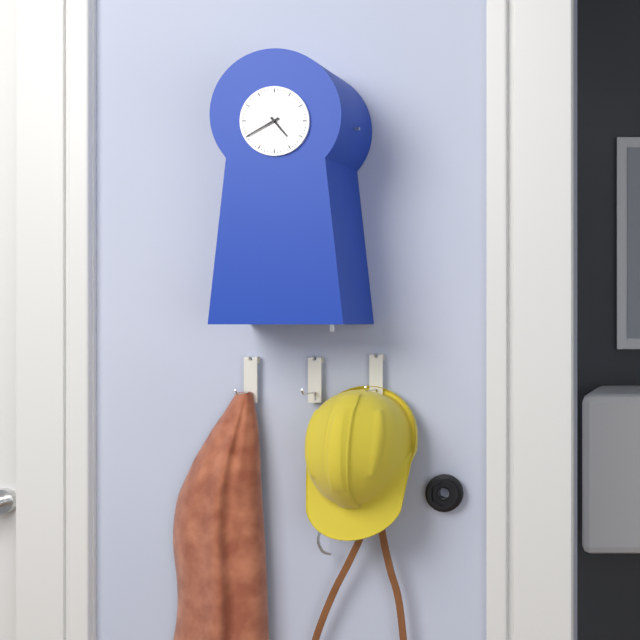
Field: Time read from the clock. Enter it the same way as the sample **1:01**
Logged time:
**4:40**
